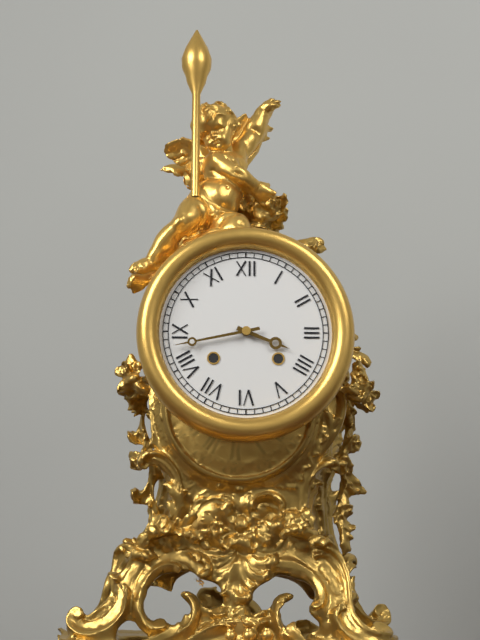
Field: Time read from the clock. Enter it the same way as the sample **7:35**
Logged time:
**3:43**
